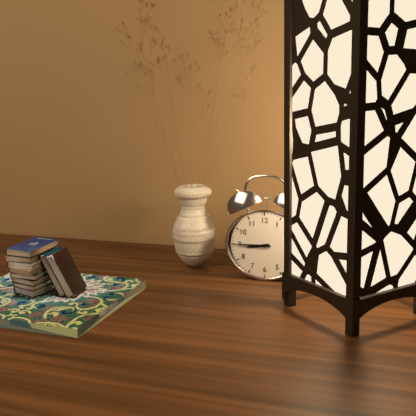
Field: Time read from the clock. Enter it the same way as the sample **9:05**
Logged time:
**8:45**
